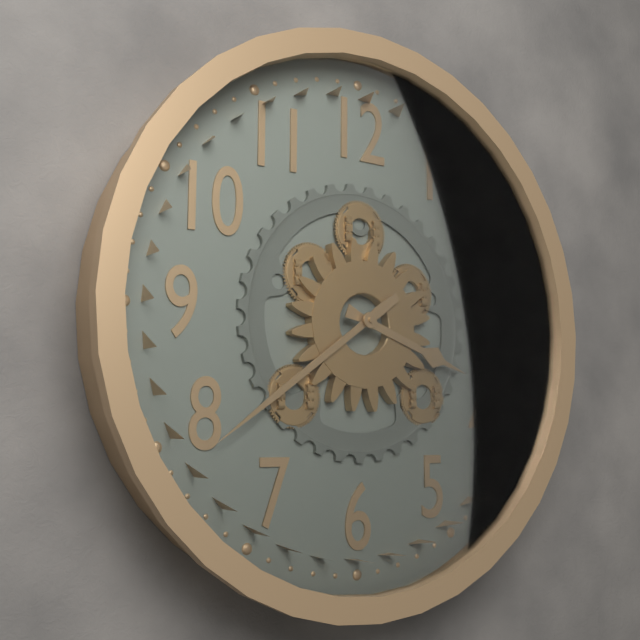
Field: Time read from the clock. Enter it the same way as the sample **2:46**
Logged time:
**3:39**
